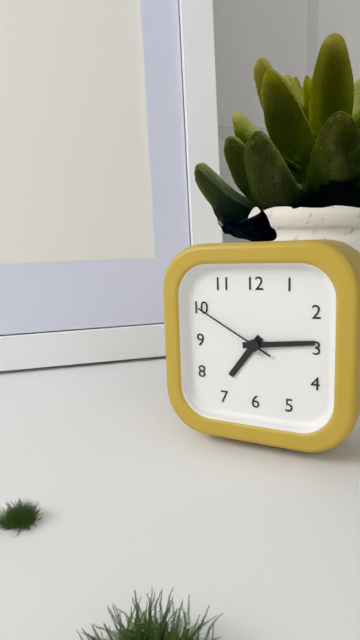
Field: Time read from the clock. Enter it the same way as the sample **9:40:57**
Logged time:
**7:14:50**
